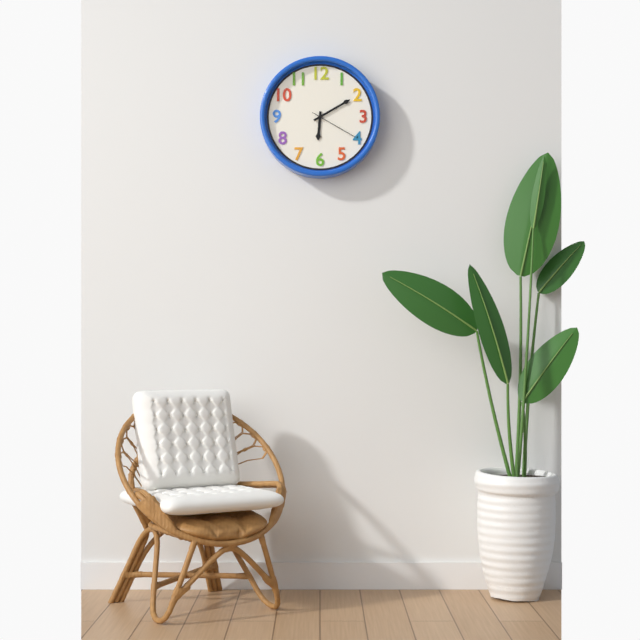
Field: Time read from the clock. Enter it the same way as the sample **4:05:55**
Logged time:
**6:10:20**
